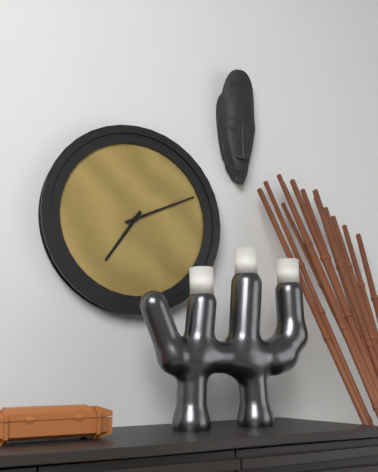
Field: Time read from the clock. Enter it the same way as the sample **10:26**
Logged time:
**7:11**
